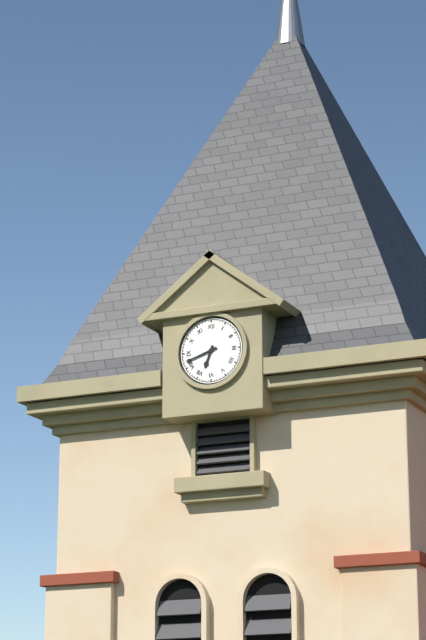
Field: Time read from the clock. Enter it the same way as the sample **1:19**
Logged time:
**6:42**
